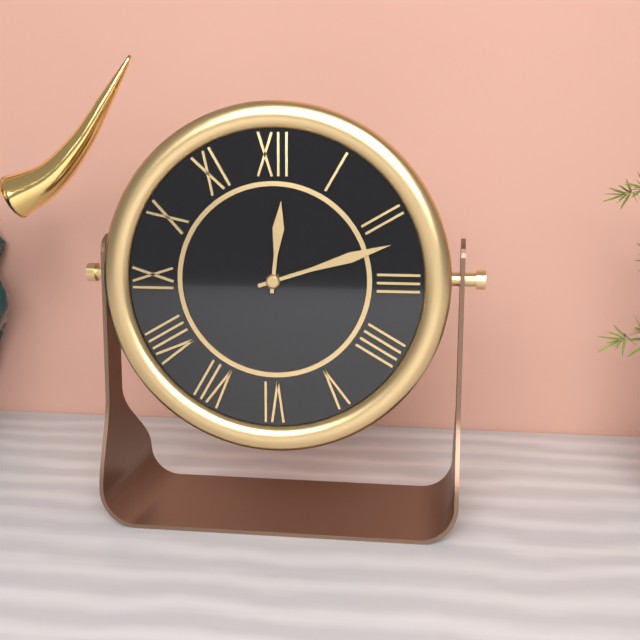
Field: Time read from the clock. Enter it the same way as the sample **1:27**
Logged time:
**12:12**
